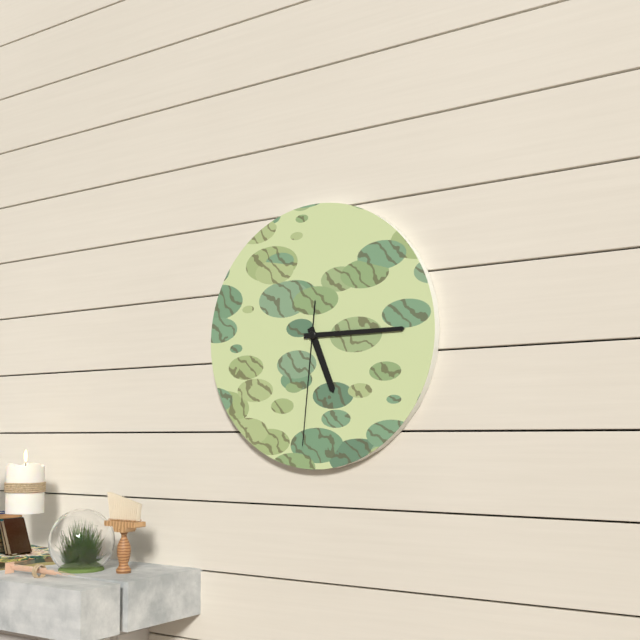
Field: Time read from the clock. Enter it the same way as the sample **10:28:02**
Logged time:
**5:15:31**
